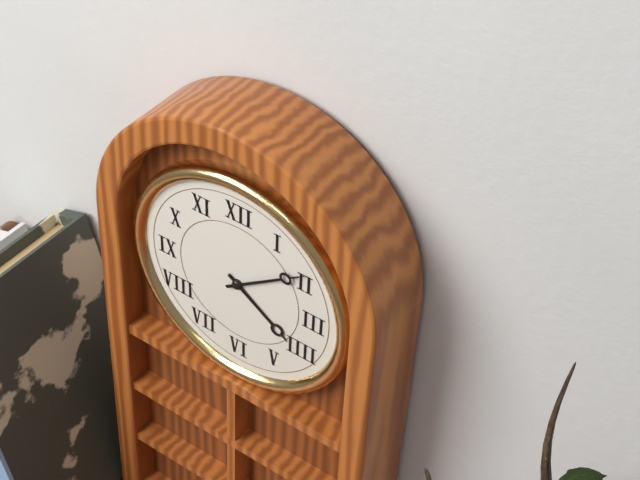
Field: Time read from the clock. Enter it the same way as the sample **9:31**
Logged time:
**4:09**
